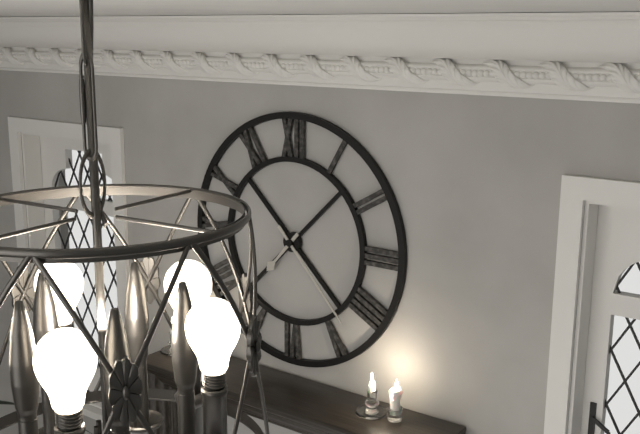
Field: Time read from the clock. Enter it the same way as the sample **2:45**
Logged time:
**7:23**
